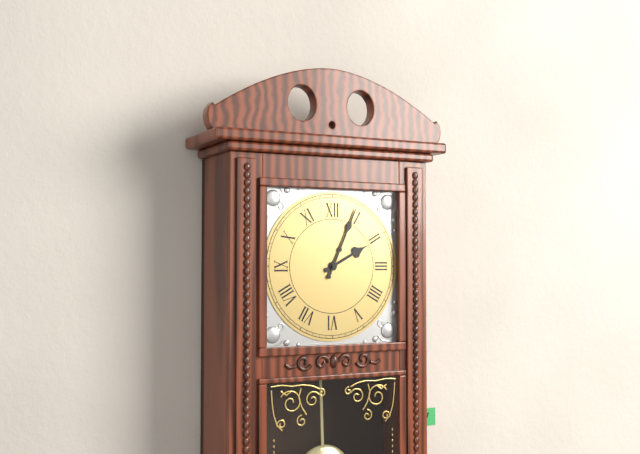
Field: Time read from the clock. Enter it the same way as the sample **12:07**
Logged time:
**2:04**
